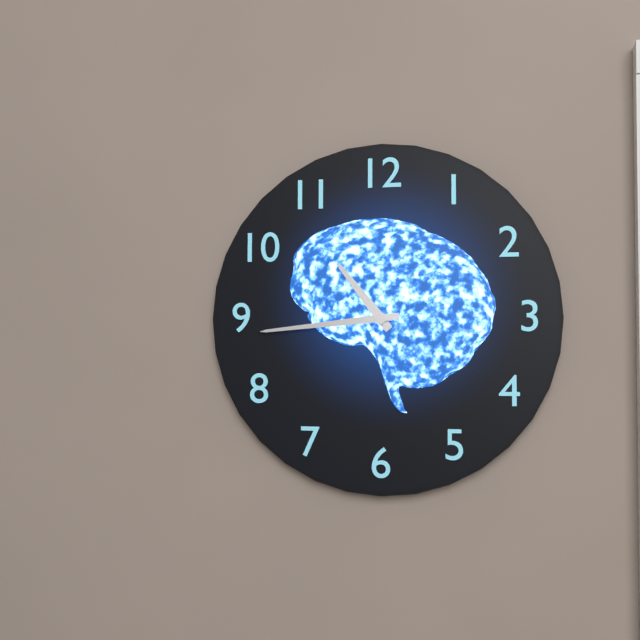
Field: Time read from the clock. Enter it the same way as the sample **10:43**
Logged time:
**10:44**
